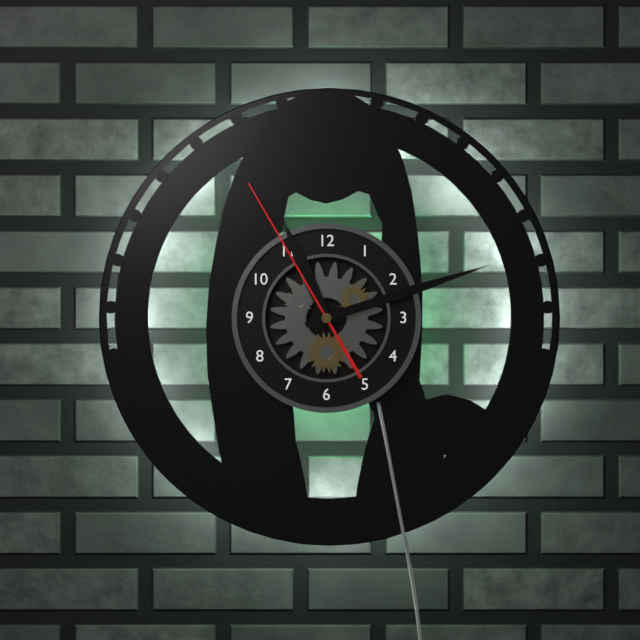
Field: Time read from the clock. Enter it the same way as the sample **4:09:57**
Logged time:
**11:12:55**
